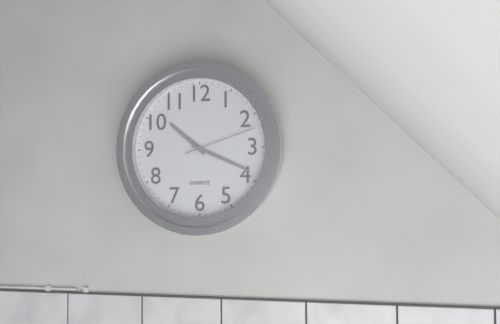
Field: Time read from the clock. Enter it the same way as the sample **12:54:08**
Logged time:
**10:19:12**
